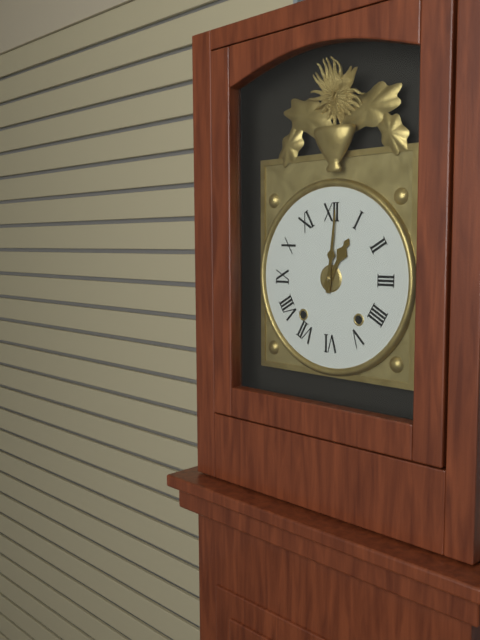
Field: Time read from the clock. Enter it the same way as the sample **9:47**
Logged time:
**1:01**
